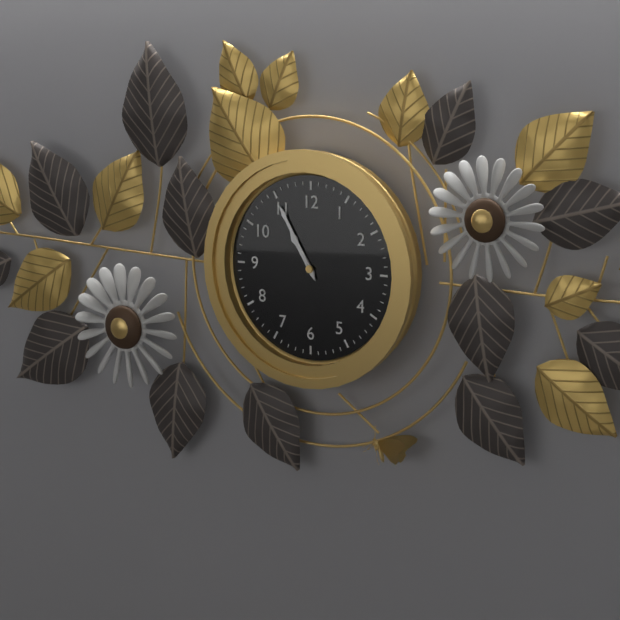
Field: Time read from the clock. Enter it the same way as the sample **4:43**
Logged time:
**10:55**
